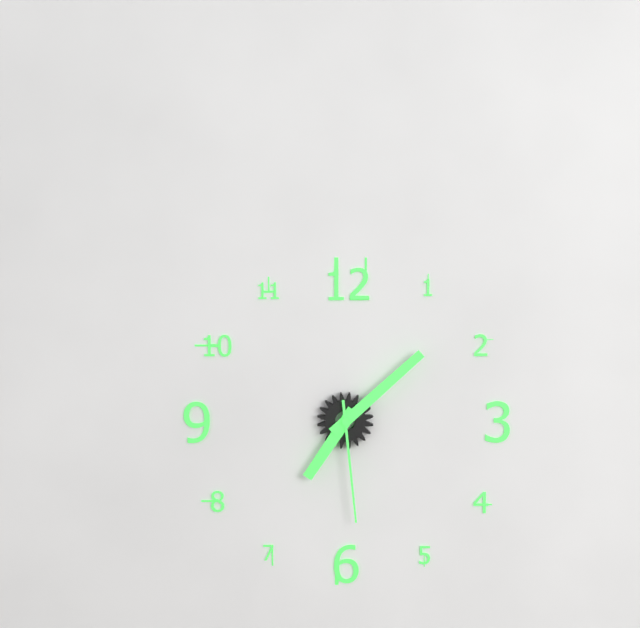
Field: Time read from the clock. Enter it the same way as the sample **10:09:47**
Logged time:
**7:08:29**
